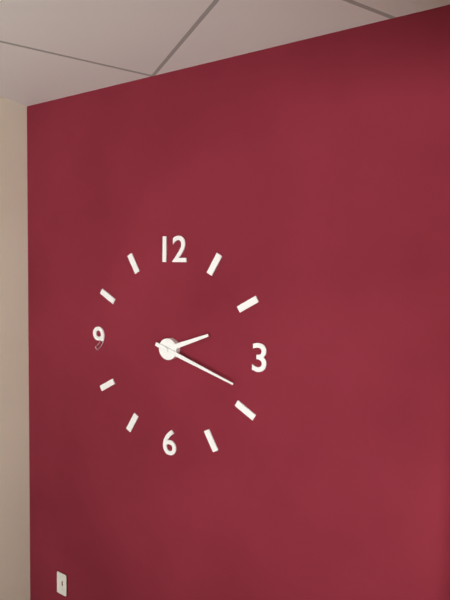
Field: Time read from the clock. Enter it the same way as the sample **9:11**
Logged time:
**2:18**
